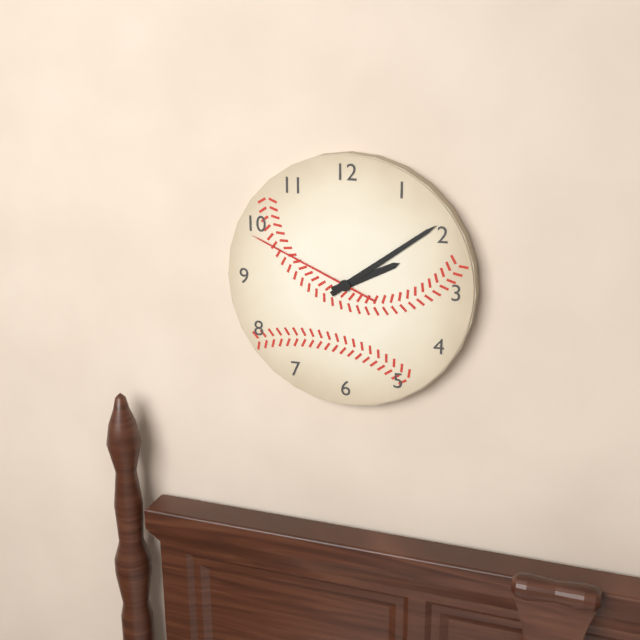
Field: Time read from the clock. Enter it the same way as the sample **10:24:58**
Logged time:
**2:09:49**
